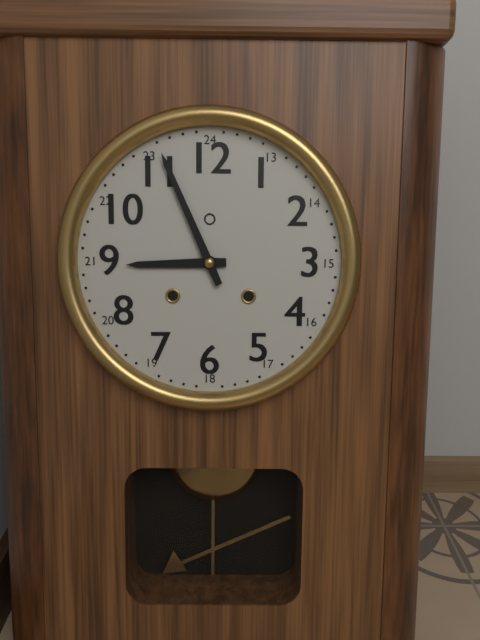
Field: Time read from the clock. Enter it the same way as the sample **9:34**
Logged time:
**8:56**
